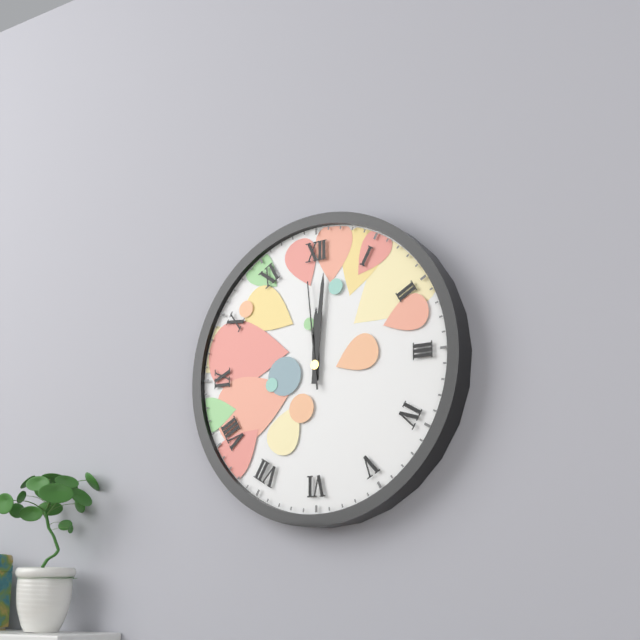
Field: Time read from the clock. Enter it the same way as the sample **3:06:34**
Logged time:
**12:01:59**
